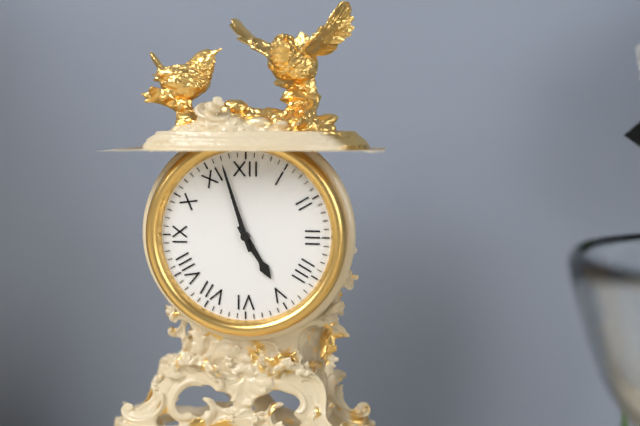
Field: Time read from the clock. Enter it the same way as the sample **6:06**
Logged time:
**4:57**
